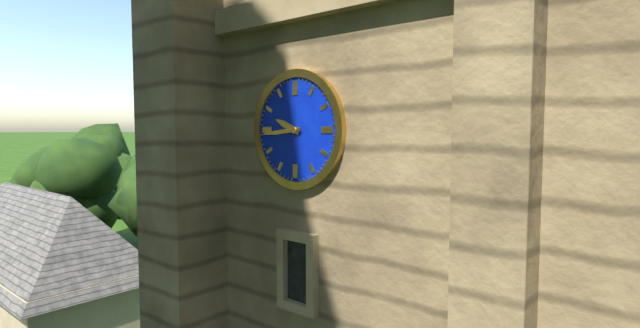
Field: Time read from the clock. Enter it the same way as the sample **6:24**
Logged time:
**9:44**
